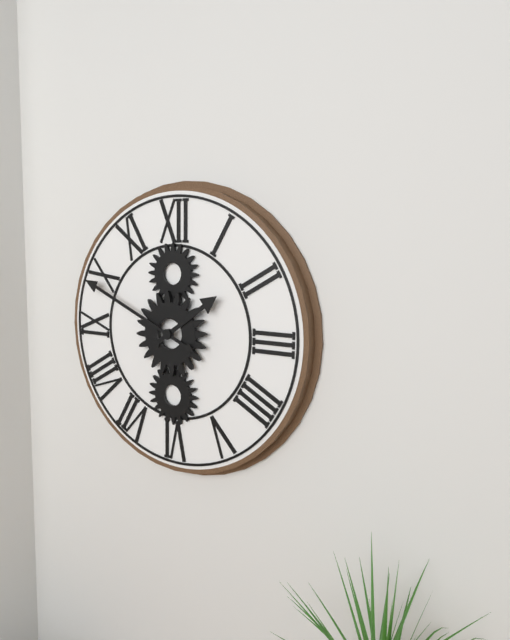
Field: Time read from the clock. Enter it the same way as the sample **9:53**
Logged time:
**1:49**
